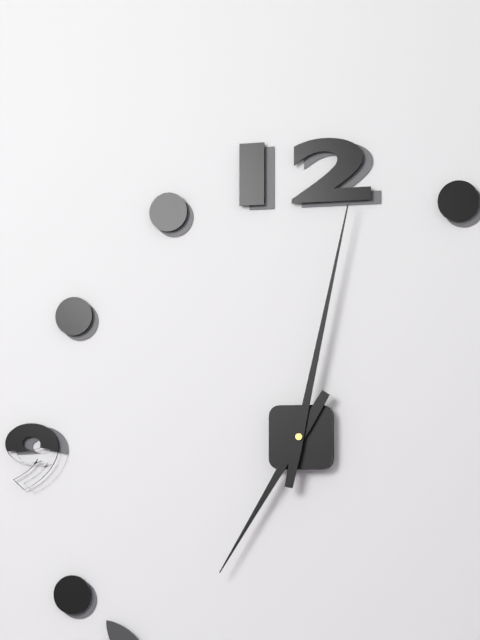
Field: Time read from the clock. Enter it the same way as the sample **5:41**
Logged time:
**7:02**
